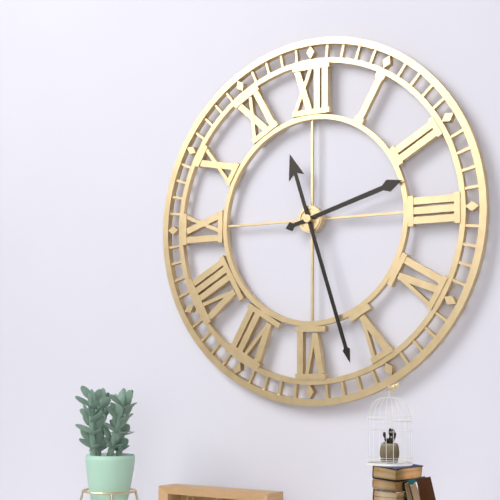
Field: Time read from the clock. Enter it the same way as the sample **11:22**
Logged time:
**2:27**
